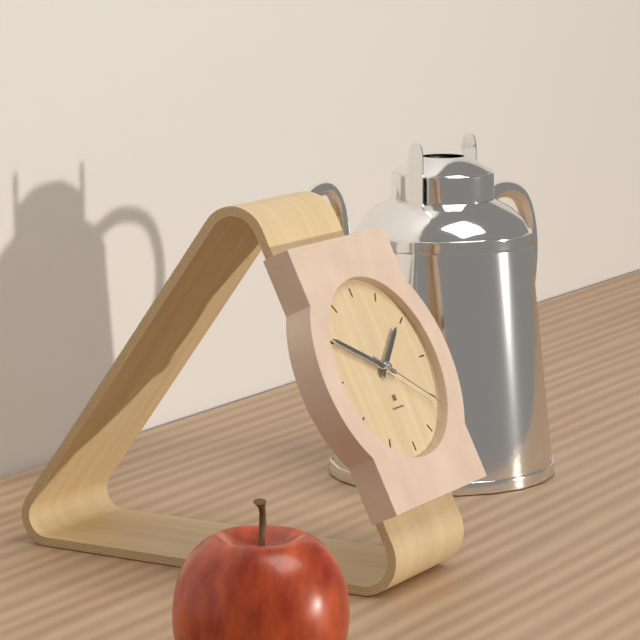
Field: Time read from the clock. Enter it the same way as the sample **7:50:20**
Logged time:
**1:50:21**
